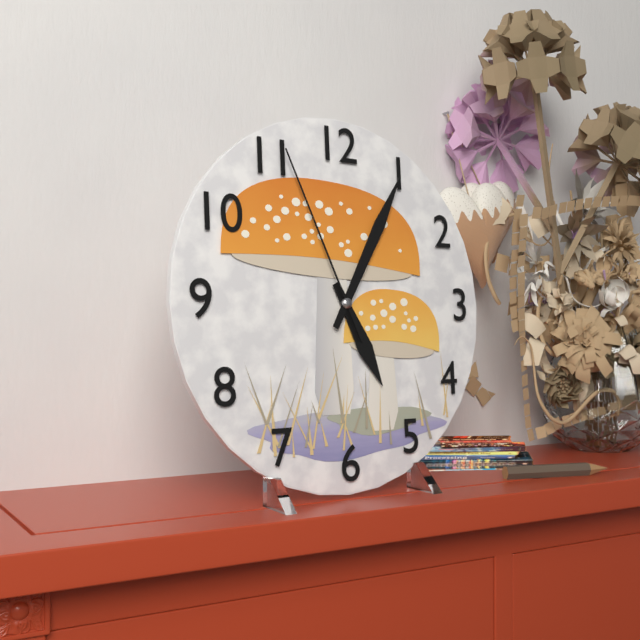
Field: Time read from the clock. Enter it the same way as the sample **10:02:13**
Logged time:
**5:05:56**
